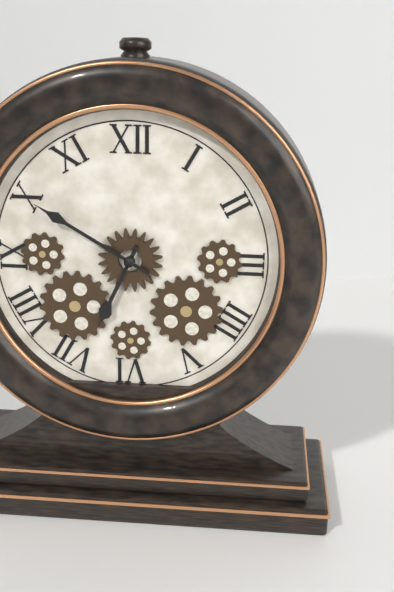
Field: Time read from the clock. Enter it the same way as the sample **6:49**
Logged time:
**6:50**
